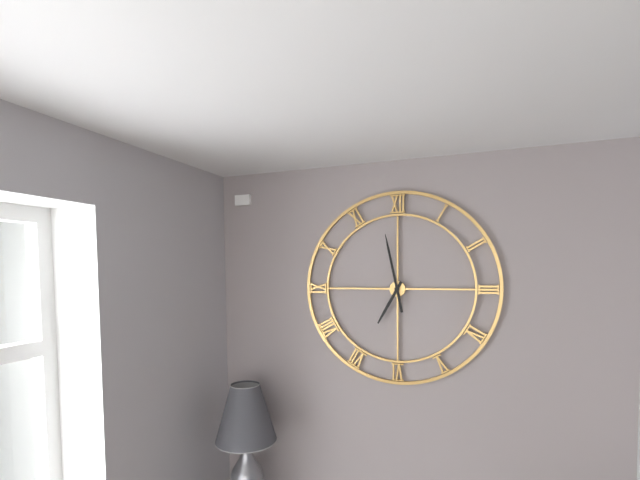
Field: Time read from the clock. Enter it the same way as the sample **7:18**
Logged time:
**6:58**
